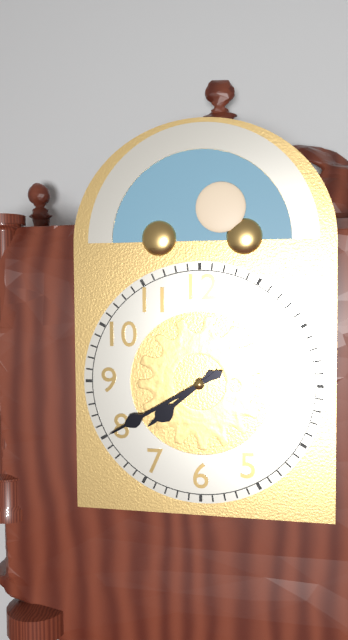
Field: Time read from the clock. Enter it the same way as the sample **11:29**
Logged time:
**7:40**
